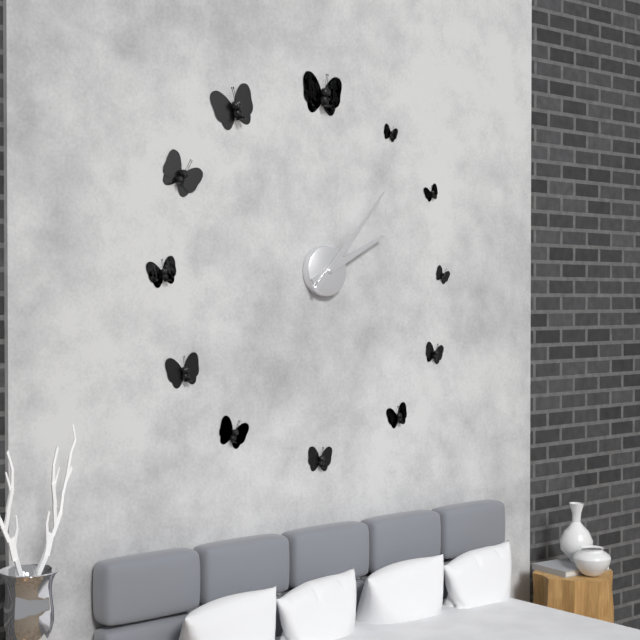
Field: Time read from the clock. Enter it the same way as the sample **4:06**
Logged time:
**2:07**
